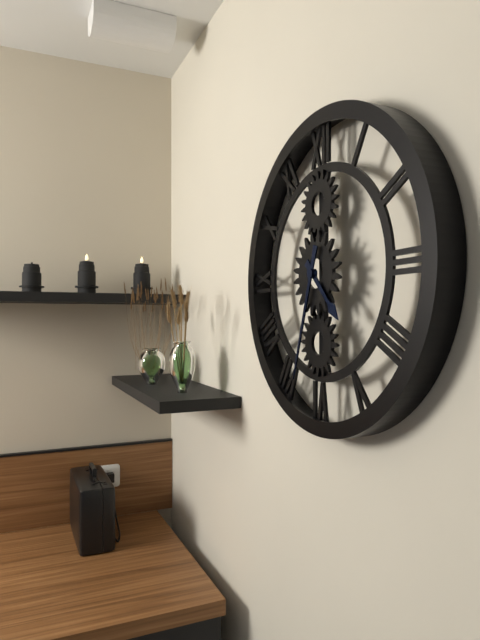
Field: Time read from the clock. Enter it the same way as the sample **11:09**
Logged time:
**4:33**
